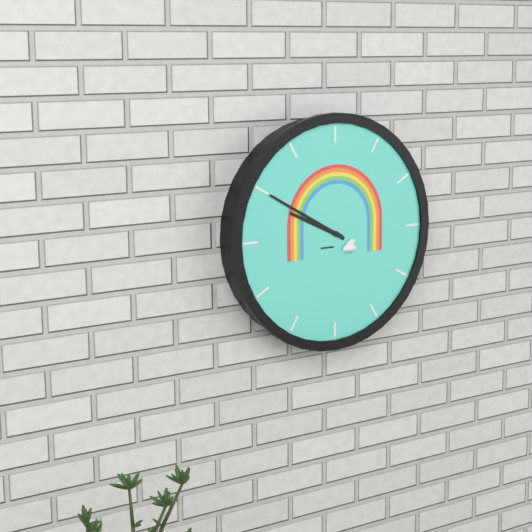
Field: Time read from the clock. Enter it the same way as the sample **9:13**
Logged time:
**9:50**
